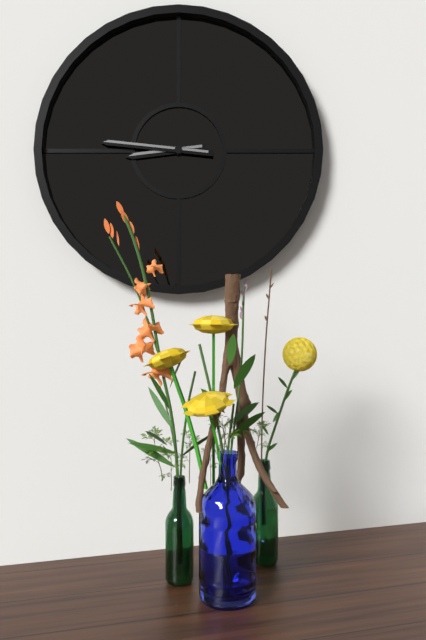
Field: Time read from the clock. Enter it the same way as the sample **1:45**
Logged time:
**8:46**
